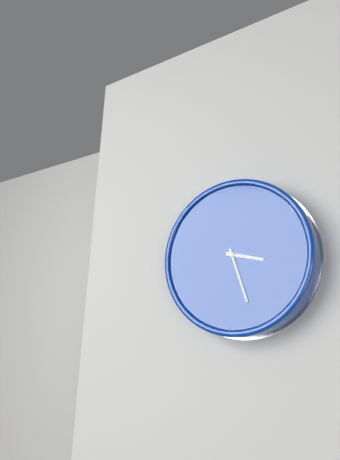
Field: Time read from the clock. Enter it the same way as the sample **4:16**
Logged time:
**3:27**
